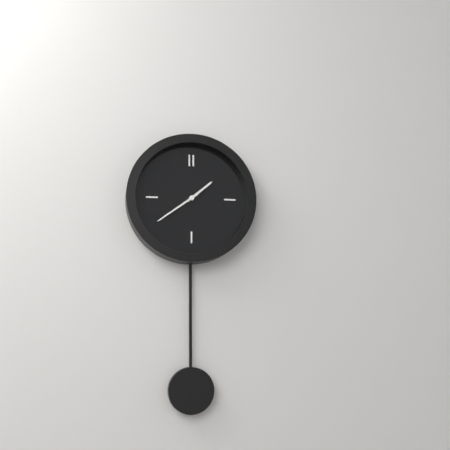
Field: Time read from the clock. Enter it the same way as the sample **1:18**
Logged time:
**1:39**
